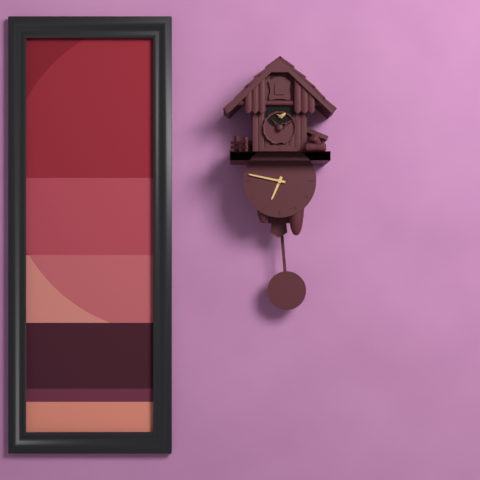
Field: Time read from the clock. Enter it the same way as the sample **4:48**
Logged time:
**6:47**
